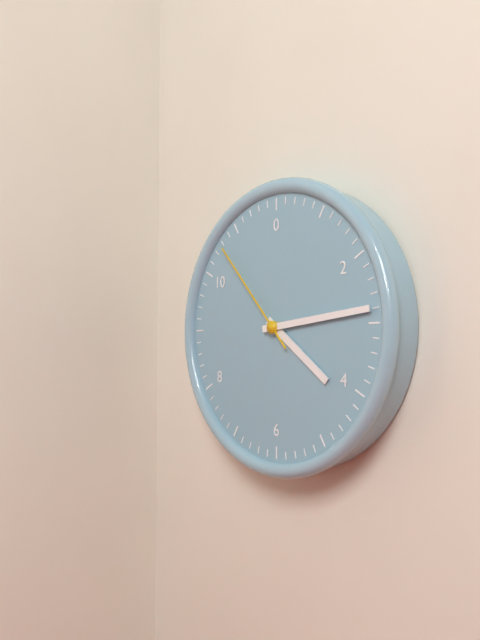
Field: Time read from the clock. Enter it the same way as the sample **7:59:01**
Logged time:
**4:14:53**
